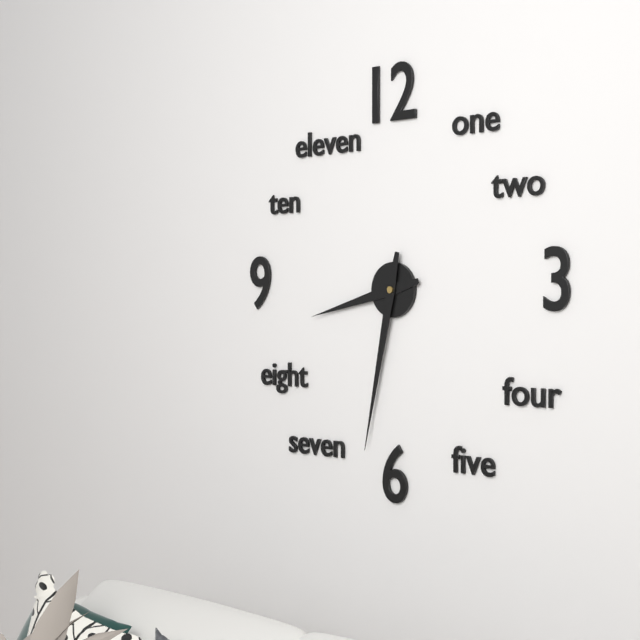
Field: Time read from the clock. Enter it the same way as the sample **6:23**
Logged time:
**8:32**
